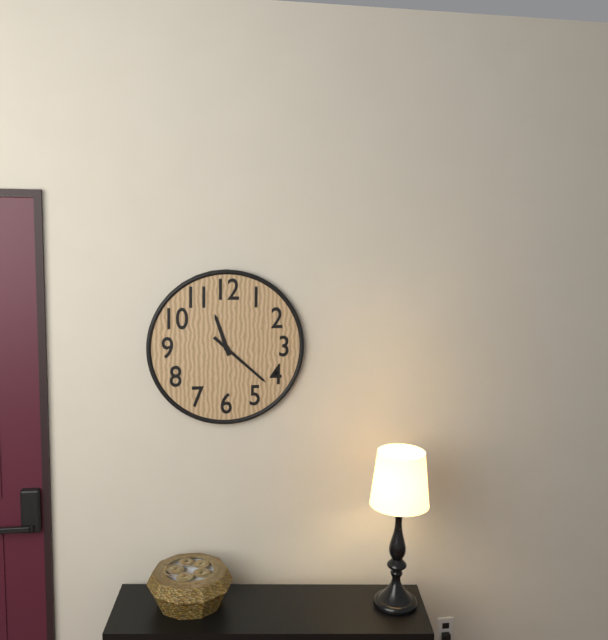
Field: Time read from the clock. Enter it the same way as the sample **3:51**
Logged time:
**11:22**
